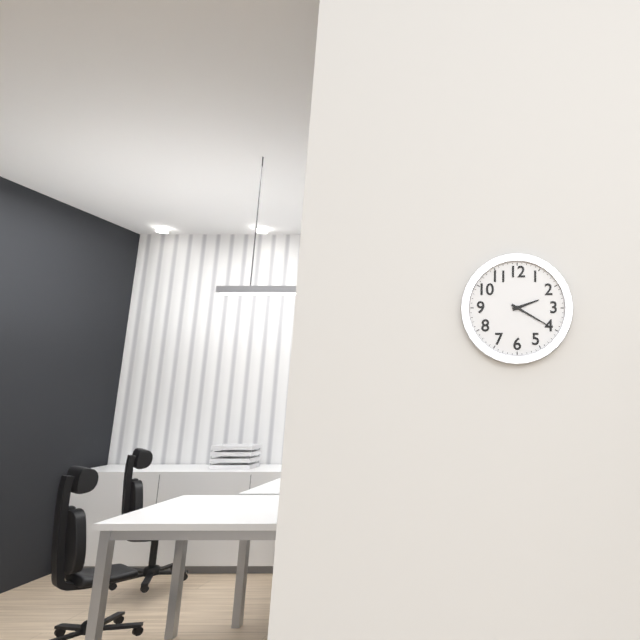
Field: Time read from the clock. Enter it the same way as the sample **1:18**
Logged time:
**2:20**
